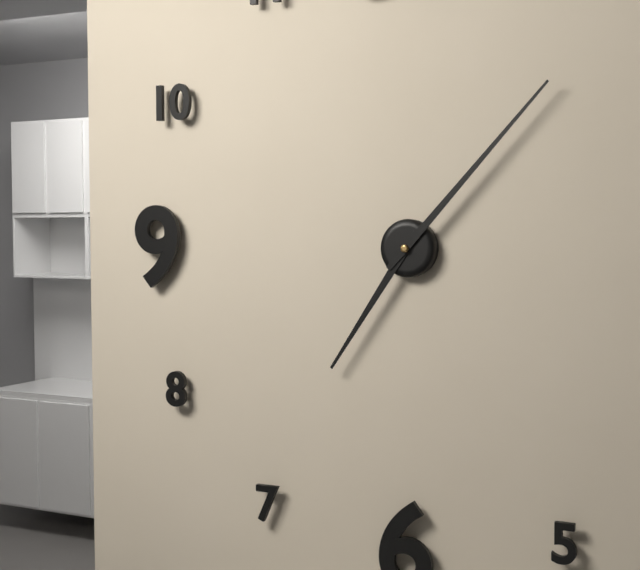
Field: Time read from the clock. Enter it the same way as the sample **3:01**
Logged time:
**7:07**
